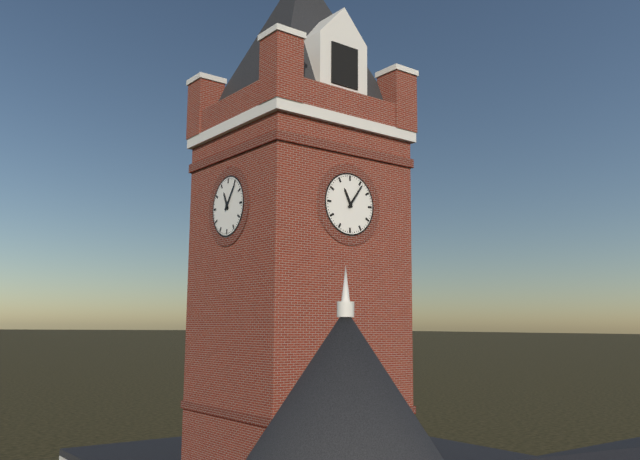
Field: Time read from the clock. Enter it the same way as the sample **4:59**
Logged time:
**11:06**
